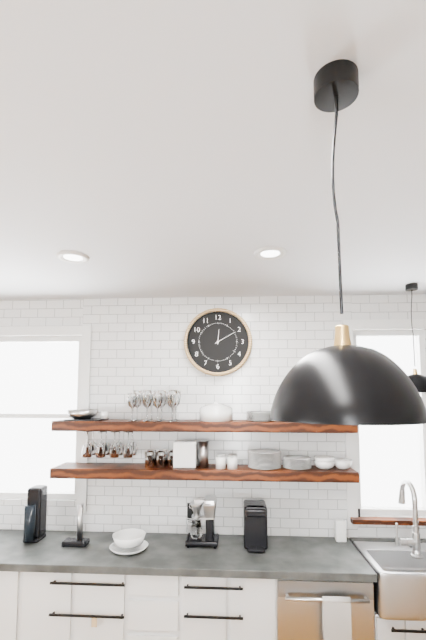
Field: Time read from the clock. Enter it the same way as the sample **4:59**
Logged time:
**12:10**
